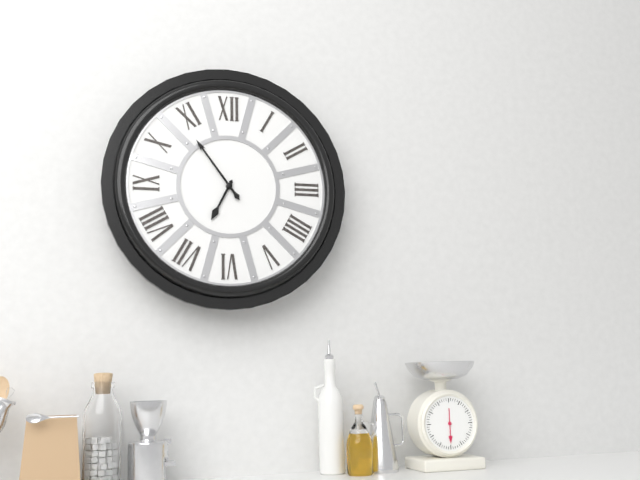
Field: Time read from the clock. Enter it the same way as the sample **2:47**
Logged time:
**6:54**
